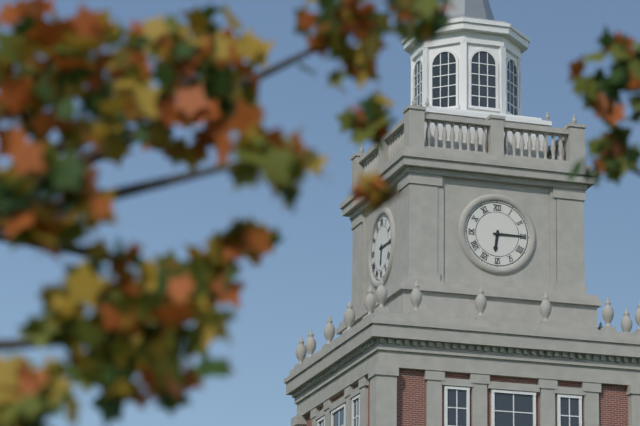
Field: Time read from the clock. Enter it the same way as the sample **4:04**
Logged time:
**6:15**
